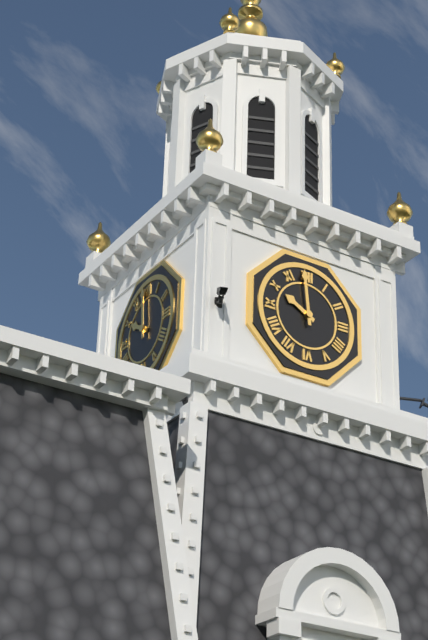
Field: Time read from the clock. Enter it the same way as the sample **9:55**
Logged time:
**9:59**
